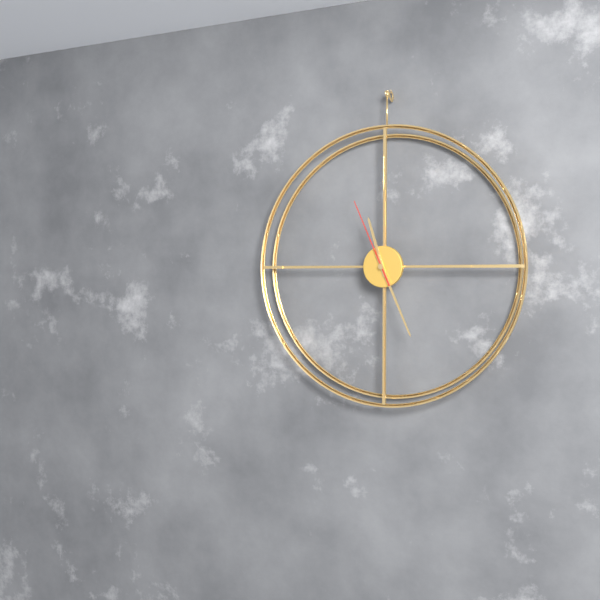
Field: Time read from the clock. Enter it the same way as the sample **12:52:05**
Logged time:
**11:26:56**
